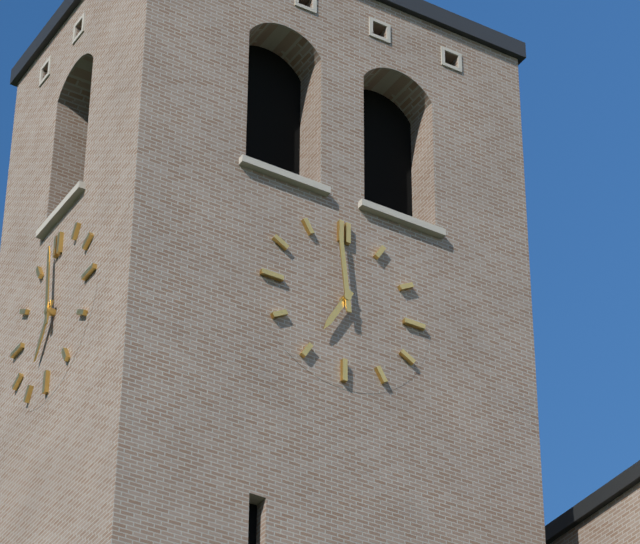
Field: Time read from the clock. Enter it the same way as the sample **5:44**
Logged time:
**6:59**
